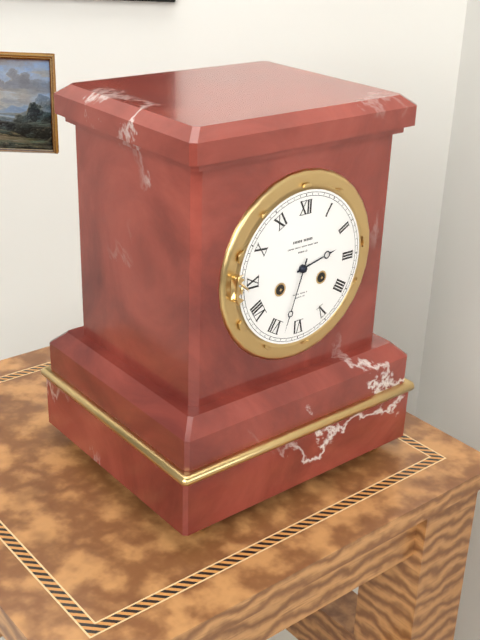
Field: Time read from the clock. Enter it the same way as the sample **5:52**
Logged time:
**2:33**
